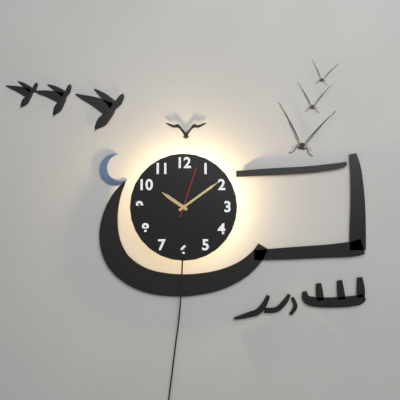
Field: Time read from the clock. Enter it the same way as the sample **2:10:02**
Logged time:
**10:09:03**
